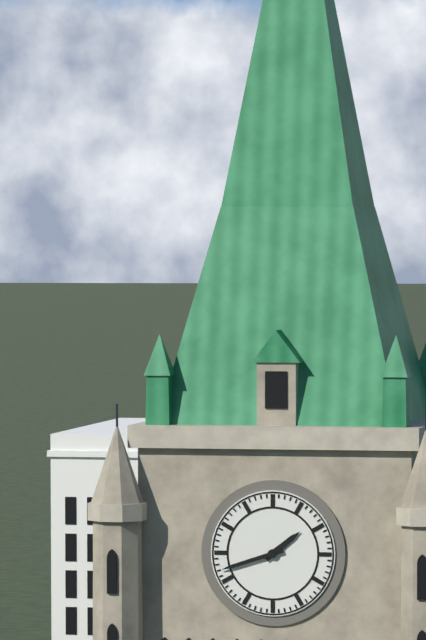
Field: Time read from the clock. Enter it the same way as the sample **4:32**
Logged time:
**1:42**
